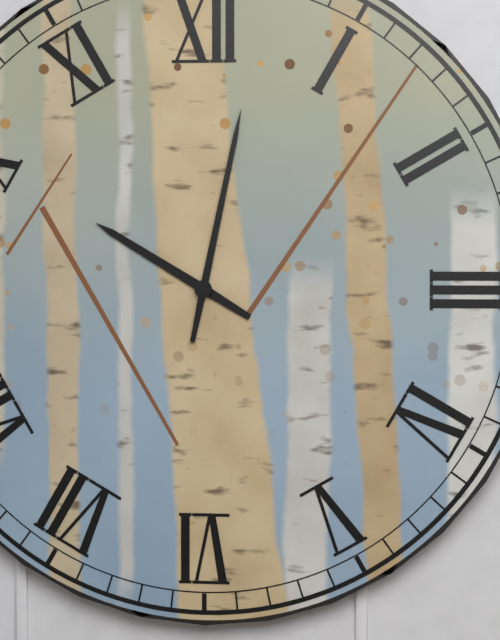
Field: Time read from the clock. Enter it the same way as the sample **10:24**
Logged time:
**10:02**
